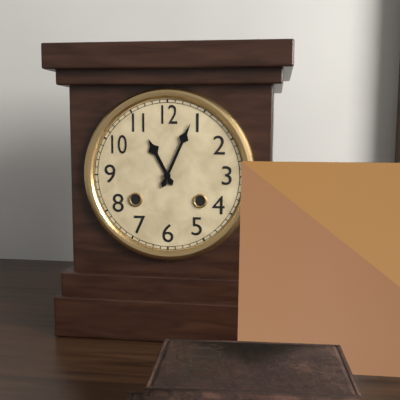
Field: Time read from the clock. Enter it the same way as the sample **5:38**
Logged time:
**11:04**
